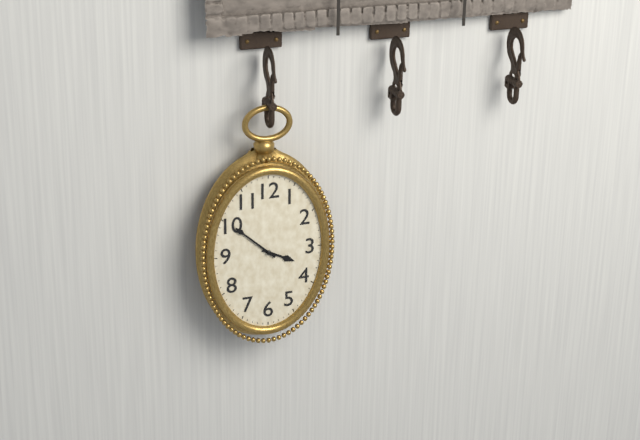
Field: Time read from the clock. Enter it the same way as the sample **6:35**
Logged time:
**3:52**
